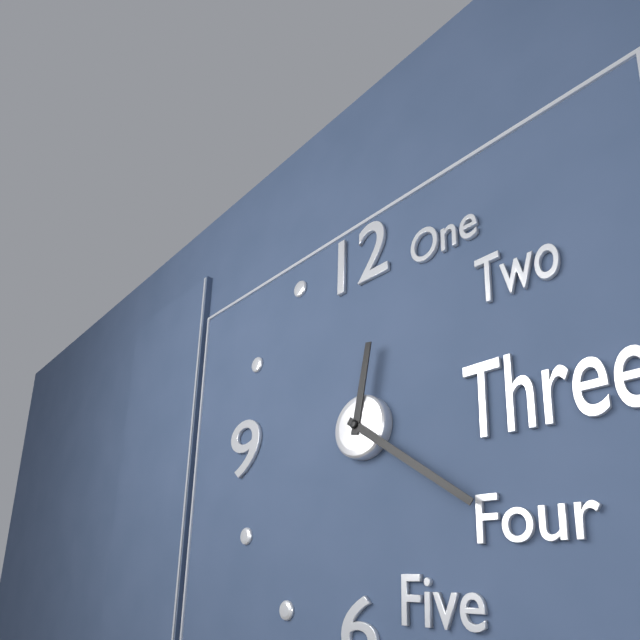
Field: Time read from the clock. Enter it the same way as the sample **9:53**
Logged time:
**12:21**
